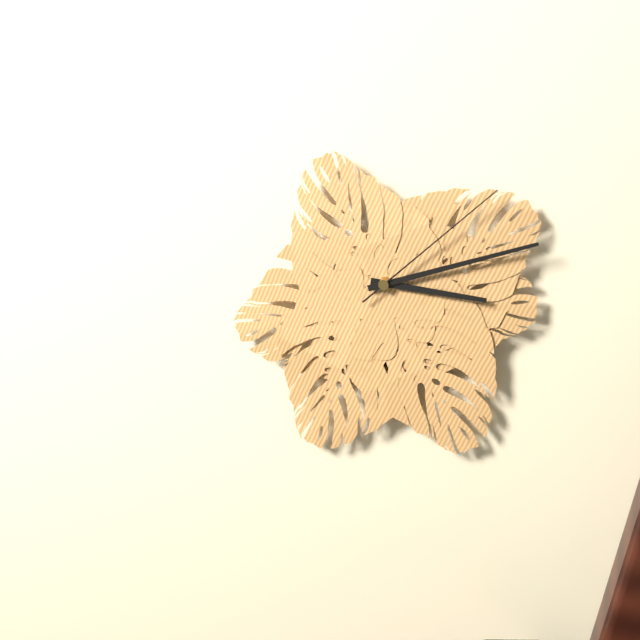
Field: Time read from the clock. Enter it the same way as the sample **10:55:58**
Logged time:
**3:12:08**
